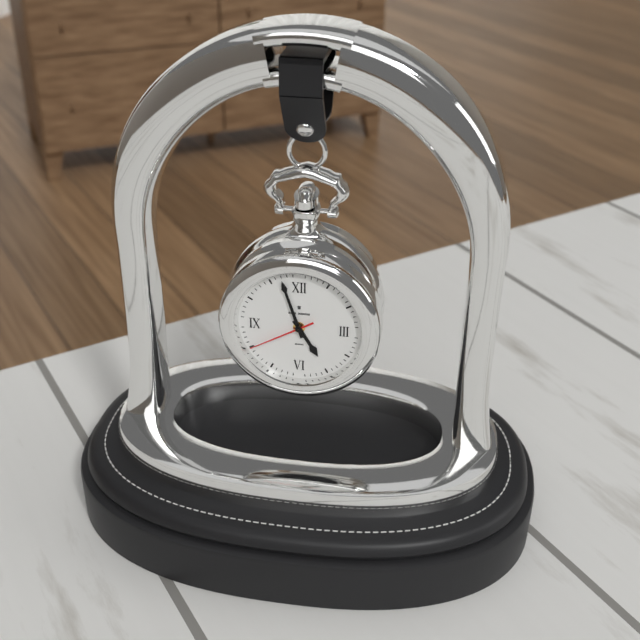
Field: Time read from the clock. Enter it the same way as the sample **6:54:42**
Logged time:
**4:57:40**
